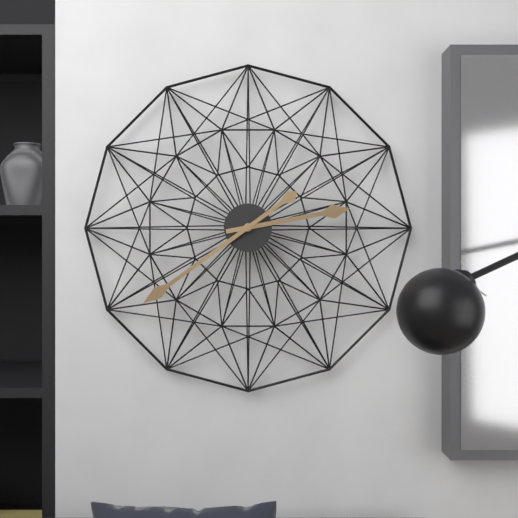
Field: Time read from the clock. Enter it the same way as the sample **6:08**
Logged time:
**2:39**
